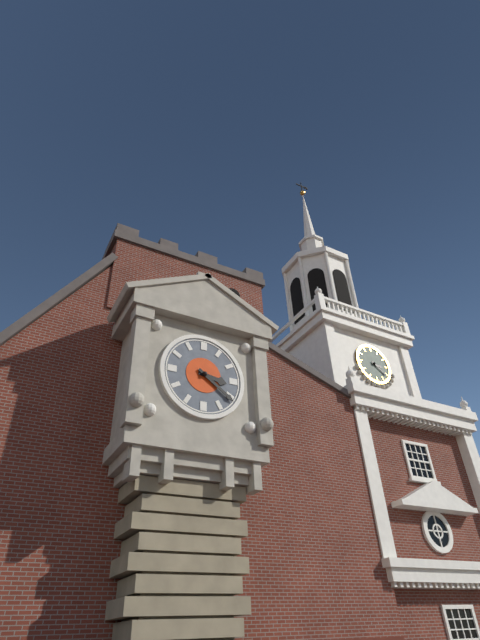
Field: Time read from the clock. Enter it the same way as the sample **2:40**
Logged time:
**3:21**
